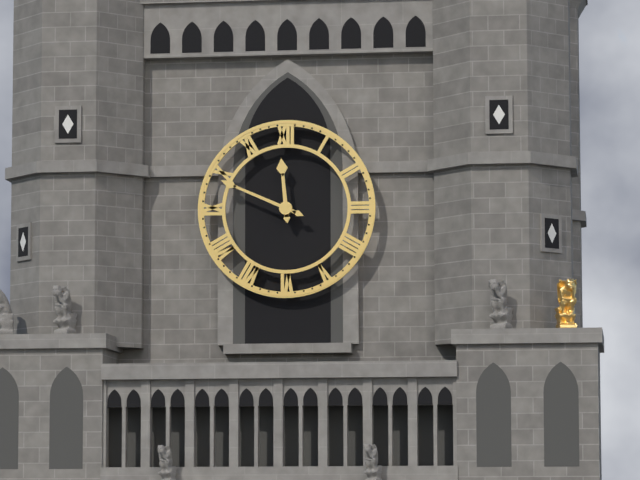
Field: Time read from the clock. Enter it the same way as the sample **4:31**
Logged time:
**11:49**
